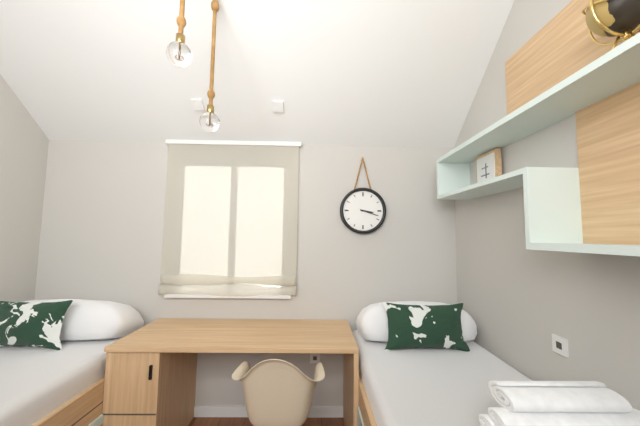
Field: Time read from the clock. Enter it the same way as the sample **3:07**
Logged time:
**3:18**
